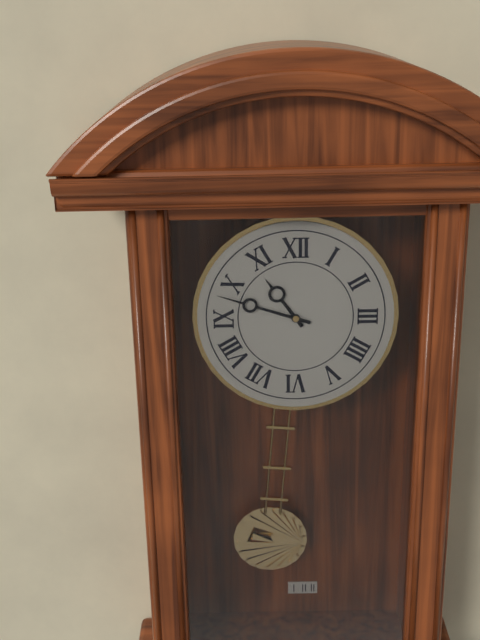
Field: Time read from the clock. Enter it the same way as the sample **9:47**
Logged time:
**10:48**
